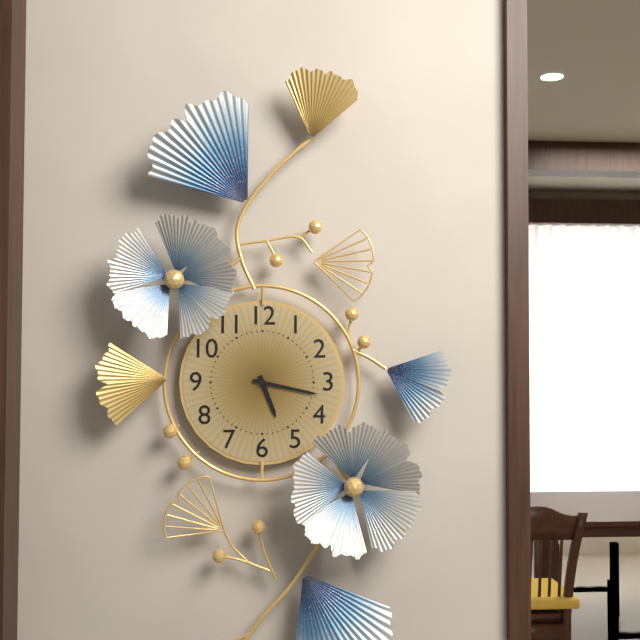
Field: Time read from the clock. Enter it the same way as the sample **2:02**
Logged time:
**5:17**
